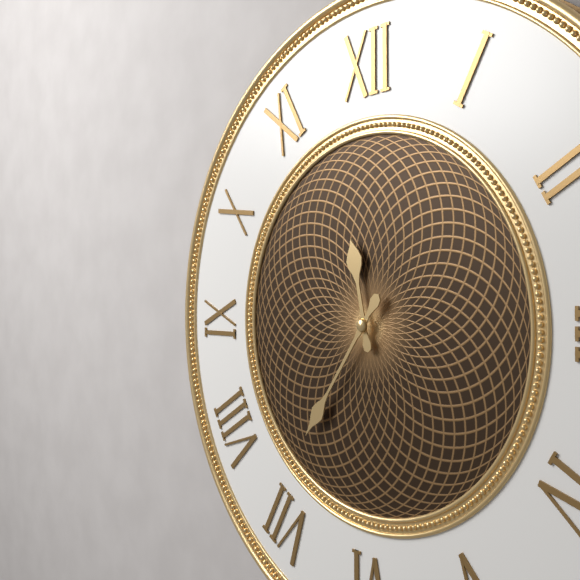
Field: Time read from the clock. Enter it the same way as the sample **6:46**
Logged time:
**11:36**
